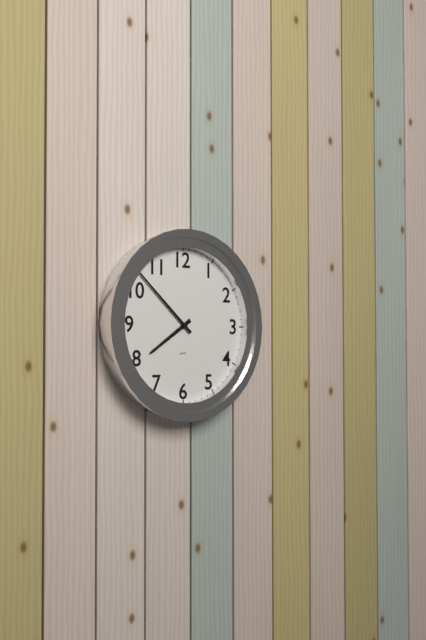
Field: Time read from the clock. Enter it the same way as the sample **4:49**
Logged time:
**7:52**
